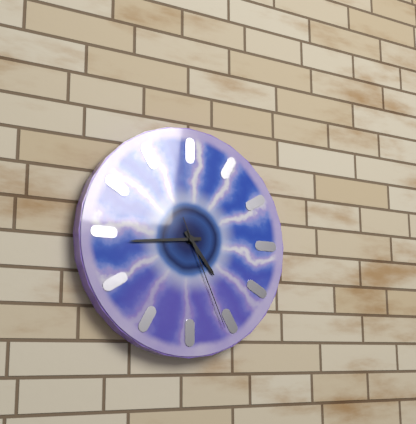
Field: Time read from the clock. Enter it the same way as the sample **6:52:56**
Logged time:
**4:44:26**
